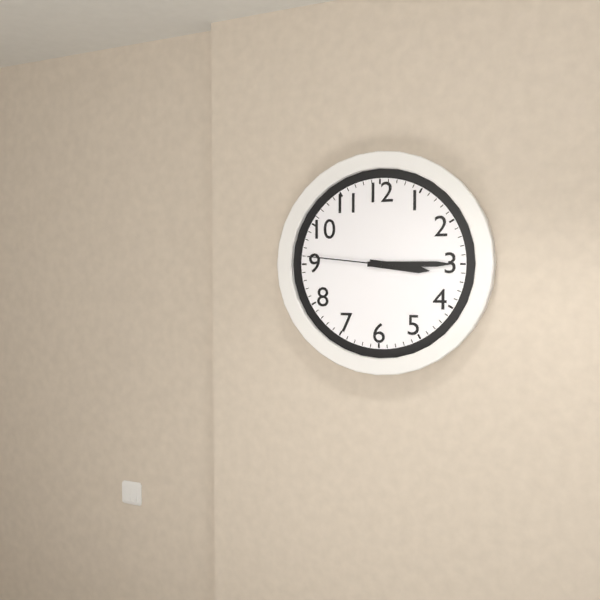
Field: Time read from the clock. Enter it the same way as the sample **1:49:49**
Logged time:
**3:15:46**
